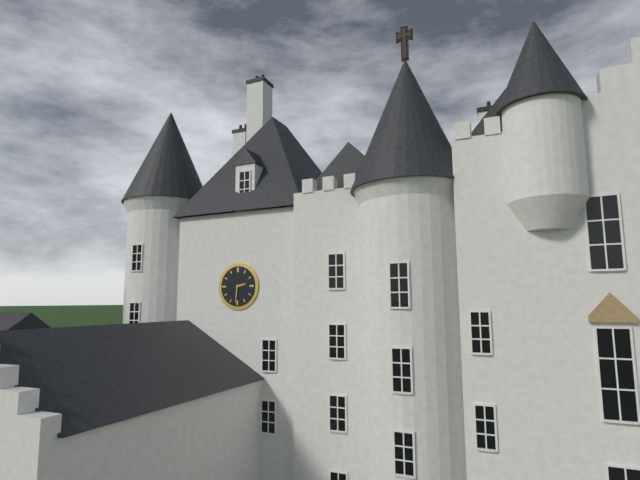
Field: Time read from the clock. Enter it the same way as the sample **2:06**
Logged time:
**2:31**
